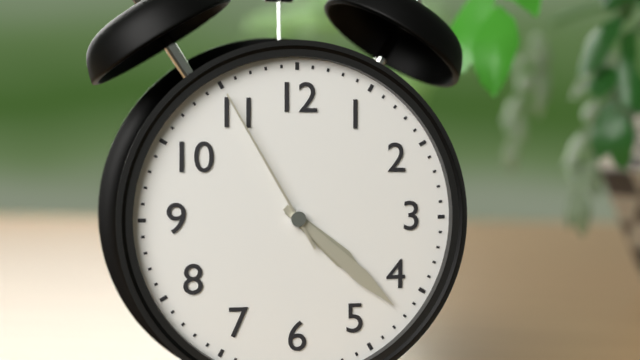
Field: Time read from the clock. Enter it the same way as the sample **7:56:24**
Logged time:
**4:22:55**
